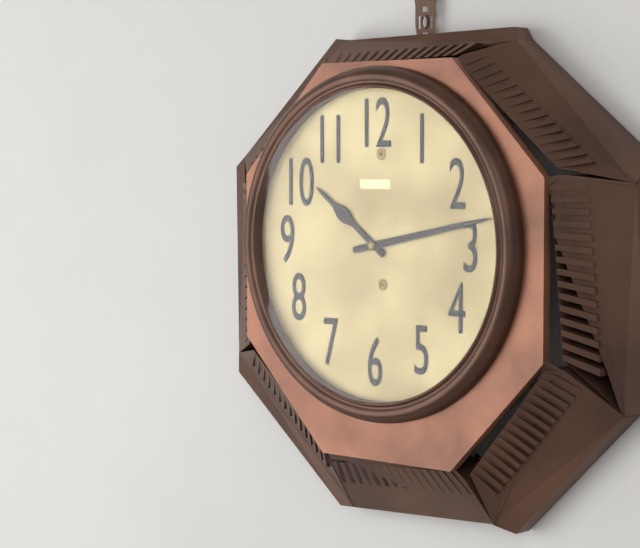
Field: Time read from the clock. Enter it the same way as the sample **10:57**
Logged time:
**10:13**
